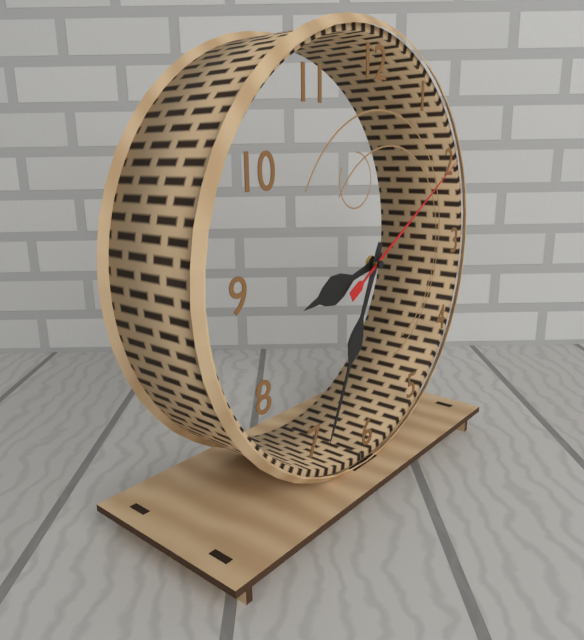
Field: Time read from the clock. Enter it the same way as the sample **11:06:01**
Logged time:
**8:34:10**
